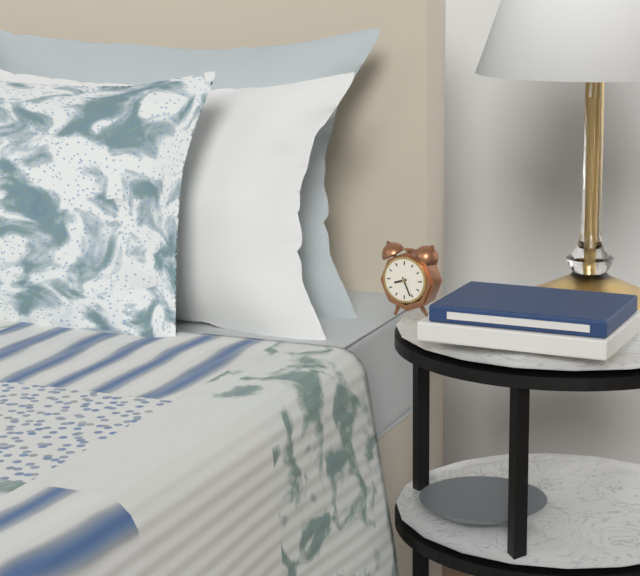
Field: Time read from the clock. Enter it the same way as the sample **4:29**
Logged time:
**8:26**
